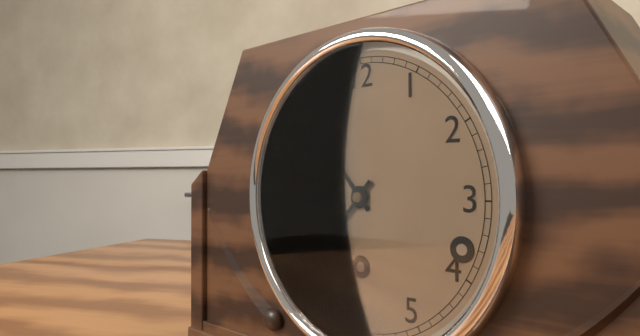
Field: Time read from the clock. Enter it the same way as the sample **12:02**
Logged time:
**10:37**
